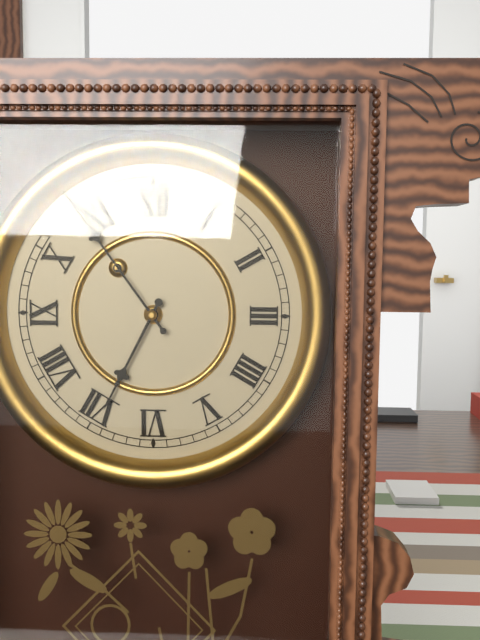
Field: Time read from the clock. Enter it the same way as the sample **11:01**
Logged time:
**6:54**
